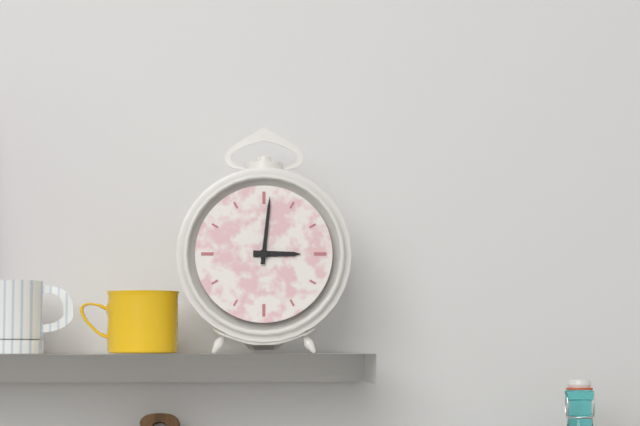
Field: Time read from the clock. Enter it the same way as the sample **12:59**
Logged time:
**3:01**
